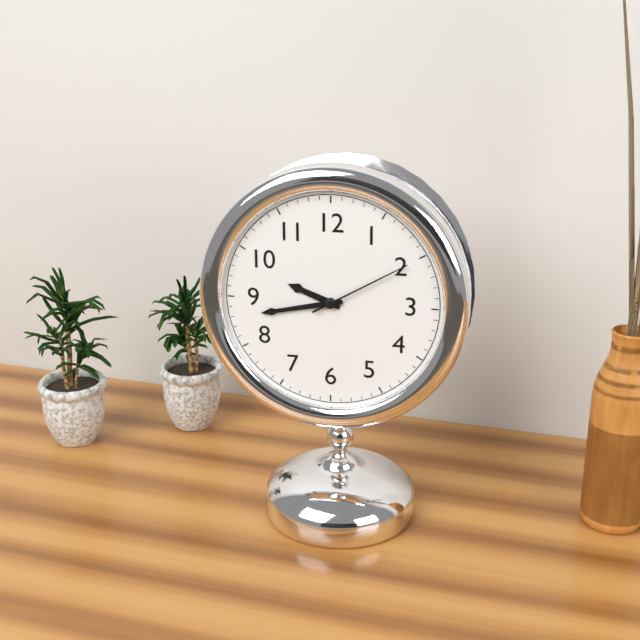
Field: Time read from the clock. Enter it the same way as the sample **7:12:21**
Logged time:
**9:43:10**
